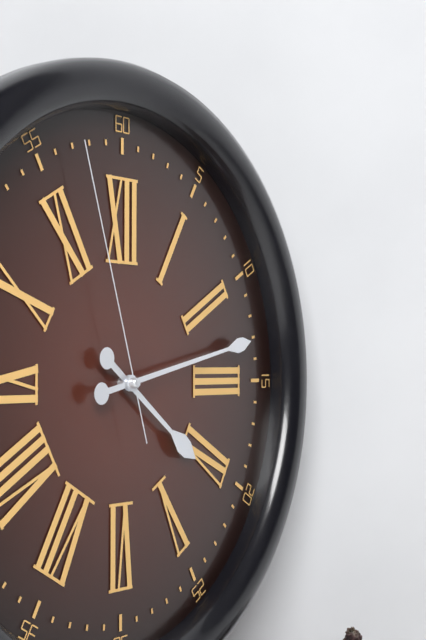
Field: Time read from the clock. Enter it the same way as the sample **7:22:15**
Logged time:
**4:13:57**
